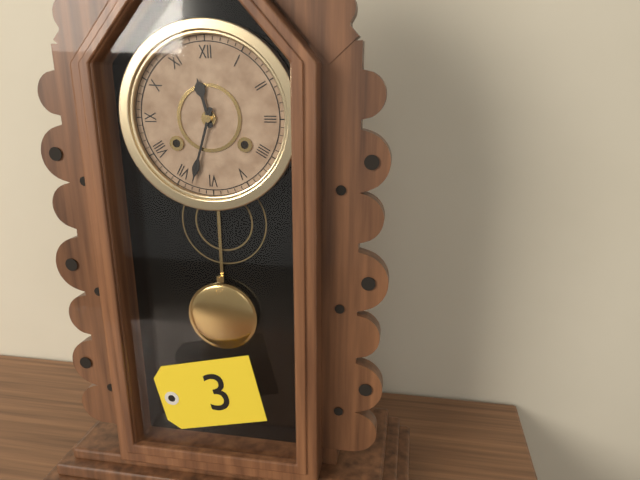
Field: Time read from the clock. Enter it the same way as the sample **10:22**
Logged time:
**11:33**
